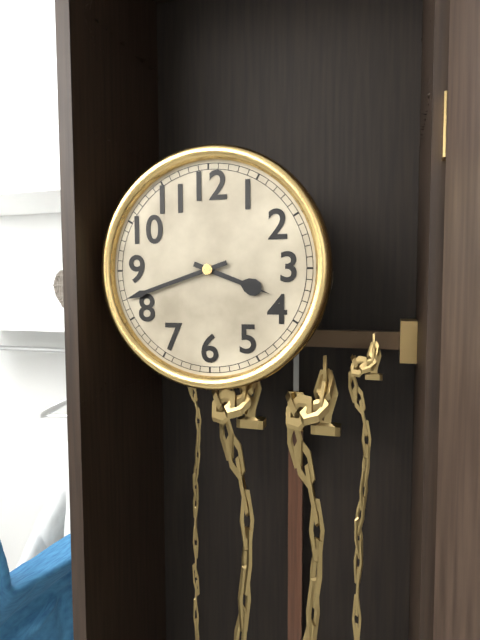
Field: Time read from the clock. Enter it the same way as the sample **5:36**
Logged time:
**3:42**
